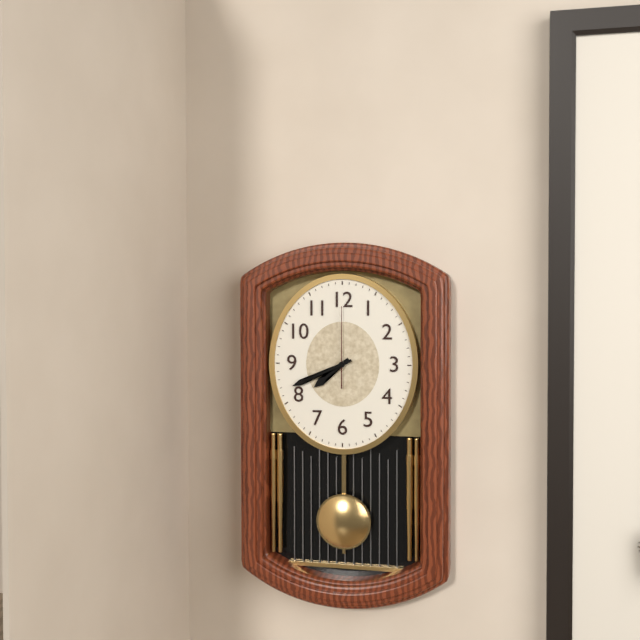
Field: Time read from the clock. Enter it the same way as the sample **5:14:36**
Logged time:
**7:41:00**
